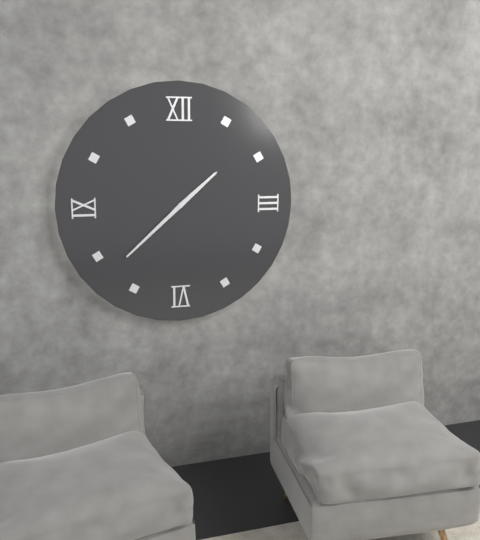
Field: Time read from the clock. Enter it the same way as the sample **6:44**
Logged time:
**1:38**
